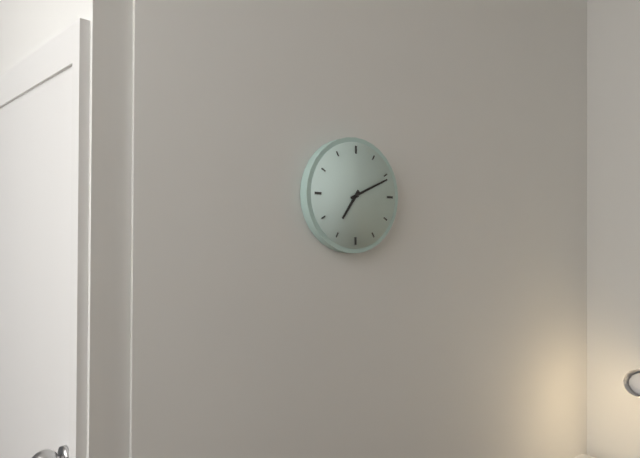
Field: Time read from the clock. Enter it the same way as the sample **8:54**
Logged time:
**7:11**
